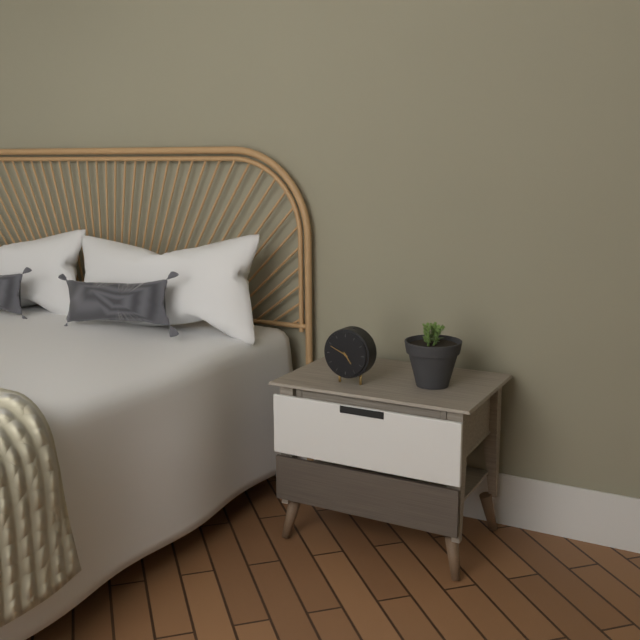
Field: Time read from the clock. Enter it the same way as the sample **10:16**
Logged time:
**4:49**
